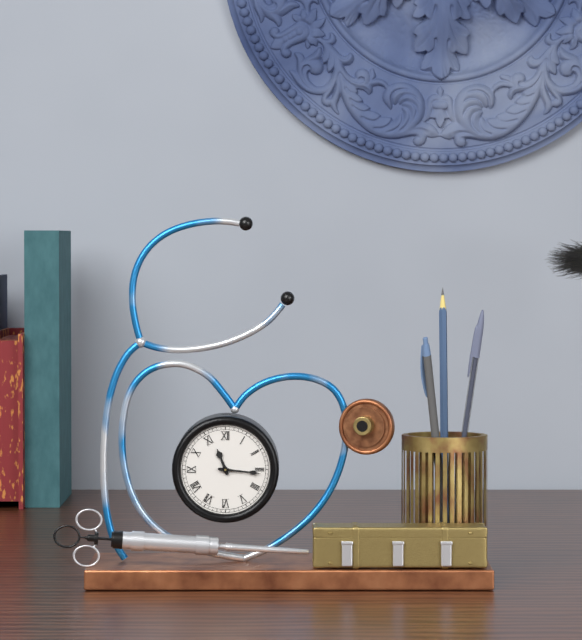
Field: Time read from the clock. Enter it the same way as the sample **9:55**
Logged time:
**11:16**
